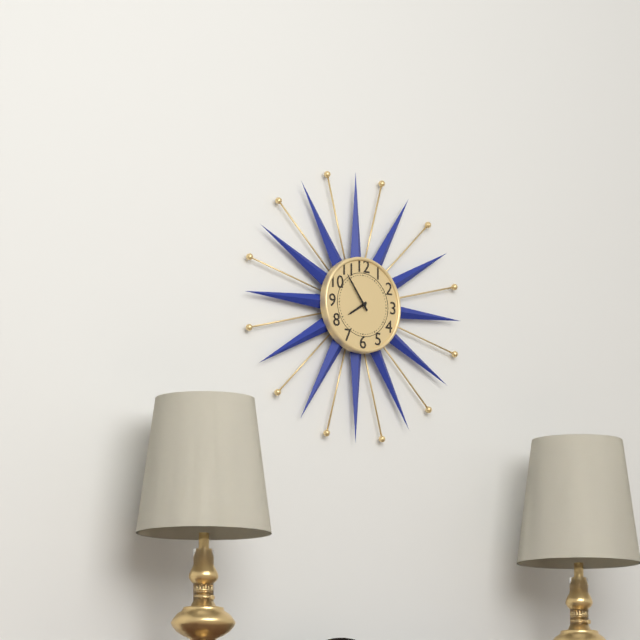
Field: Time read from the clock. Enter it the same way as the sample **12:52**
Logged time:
**7:54**
